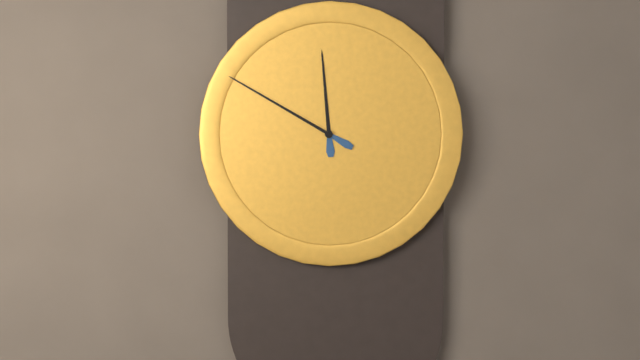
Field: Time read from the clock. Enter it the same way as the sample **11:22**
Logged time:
**11:50**
